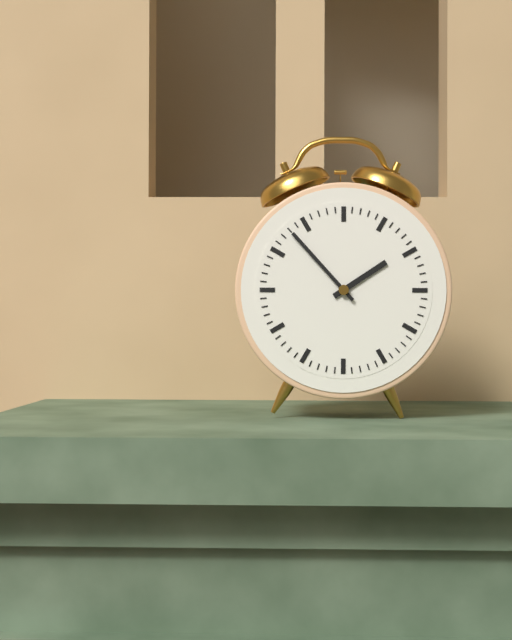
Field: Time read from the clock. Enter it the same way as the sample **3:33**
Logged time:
**1:53**
